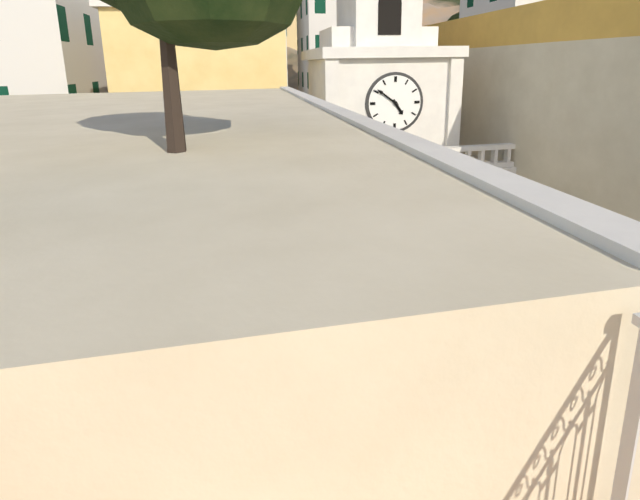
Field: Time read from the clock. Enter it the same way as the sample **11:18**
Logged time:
**4:51**
